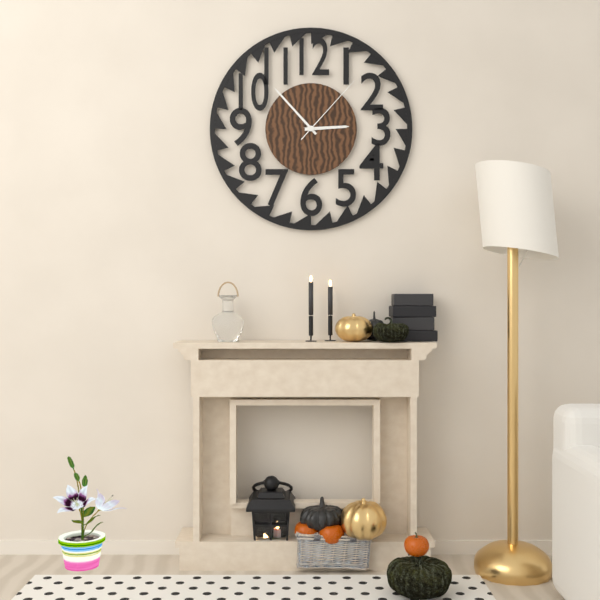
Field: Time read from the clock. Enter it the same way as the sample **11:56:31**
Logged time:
**2:53:07**
